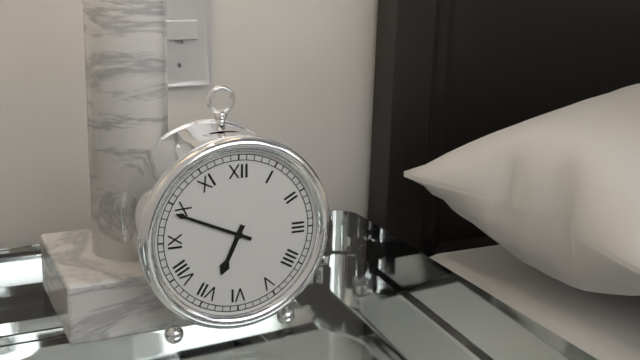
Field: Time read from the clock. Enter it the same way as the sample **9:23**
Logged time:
**6:49**
